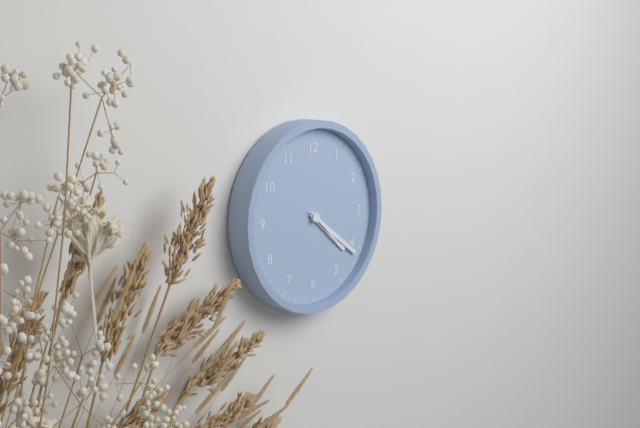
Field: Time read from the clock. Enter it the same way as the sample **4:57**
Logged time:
**4:21**
